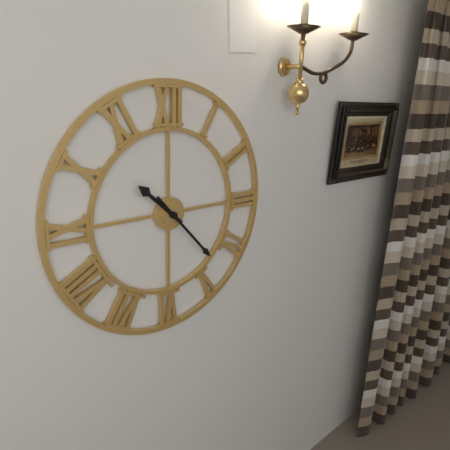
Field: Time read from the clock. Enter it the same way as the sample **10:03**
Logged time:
**10:23**
